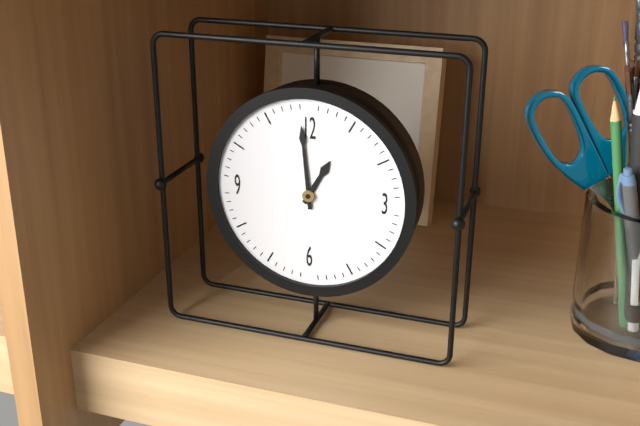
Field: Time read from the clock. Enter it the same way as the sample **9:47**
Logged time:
**12:59**
